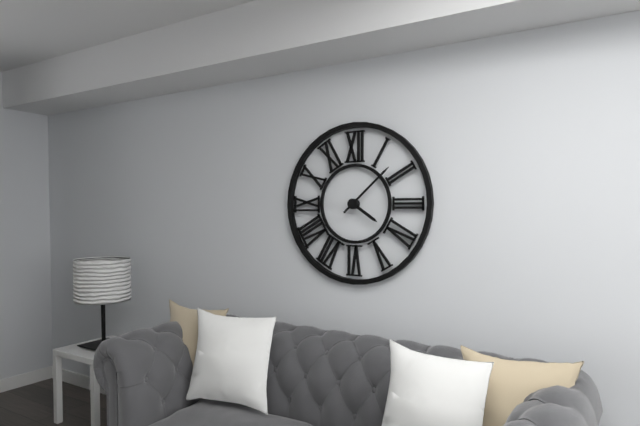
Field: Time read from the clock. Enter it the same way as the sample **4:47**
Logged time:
**4:08**
